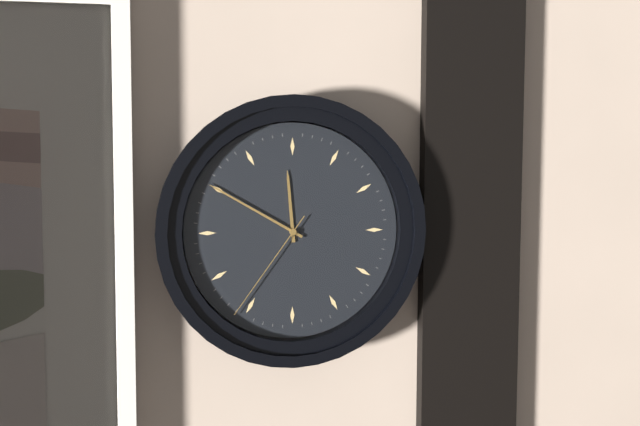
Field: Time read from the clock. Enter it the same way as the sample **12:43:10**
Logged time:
**11:50:36**
